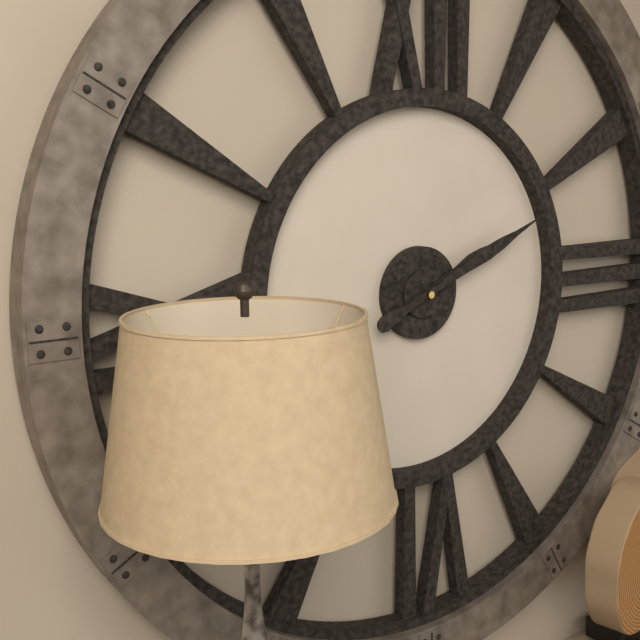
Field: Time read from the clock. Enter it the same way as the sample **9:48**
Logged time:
**2:11**
